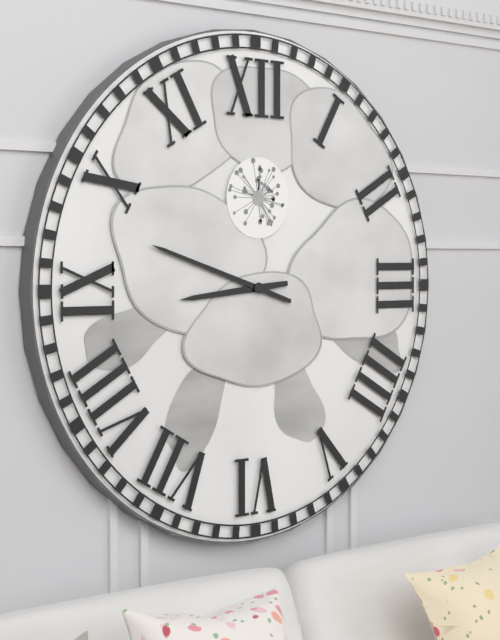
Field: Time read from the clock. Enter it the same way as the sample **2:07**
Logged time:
**8:48**
